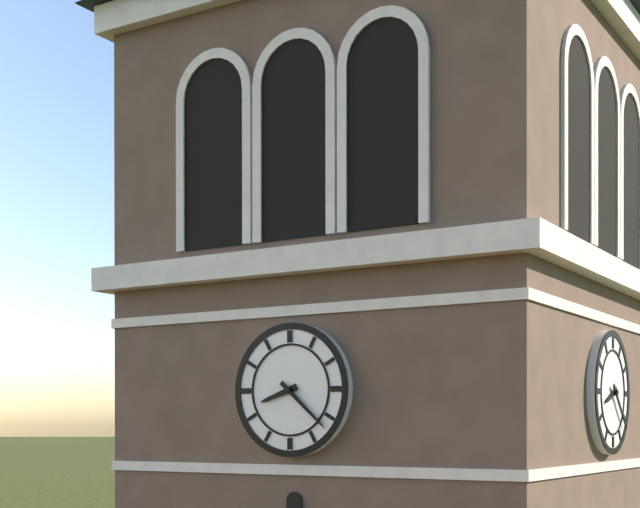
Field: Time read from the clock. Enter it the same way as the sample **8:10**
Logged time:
**8:22**
